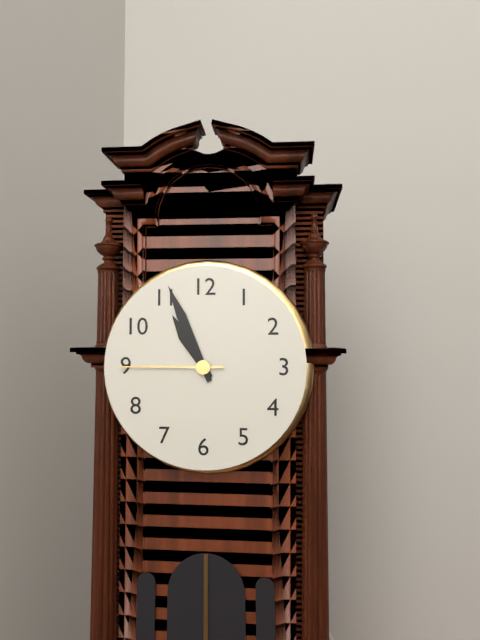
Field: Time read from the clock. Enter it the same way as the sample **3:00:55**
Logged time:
**10:56:45**
